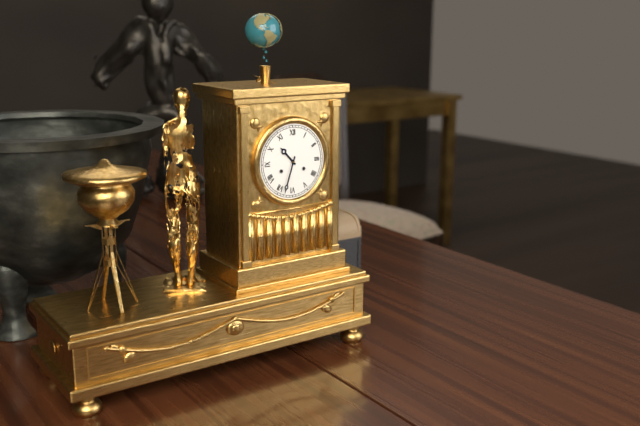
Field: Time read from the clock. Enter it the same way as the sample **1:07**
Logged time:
**10:33**
